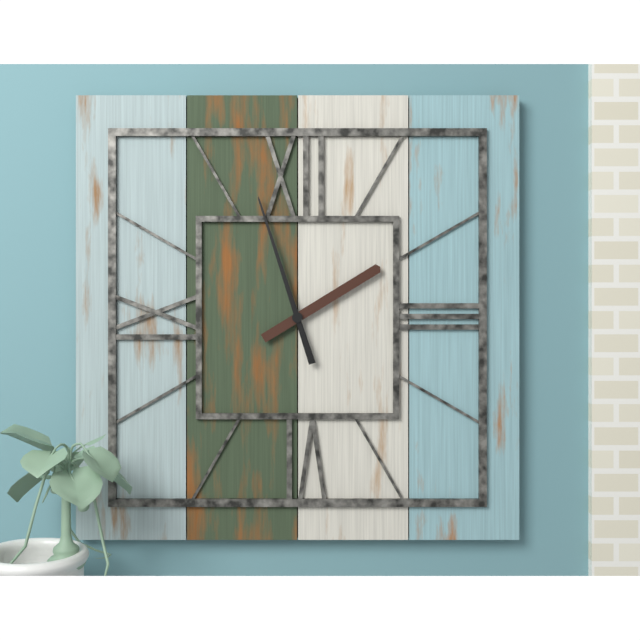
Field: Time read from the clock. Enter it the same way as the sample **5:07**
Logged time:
**1:57**
